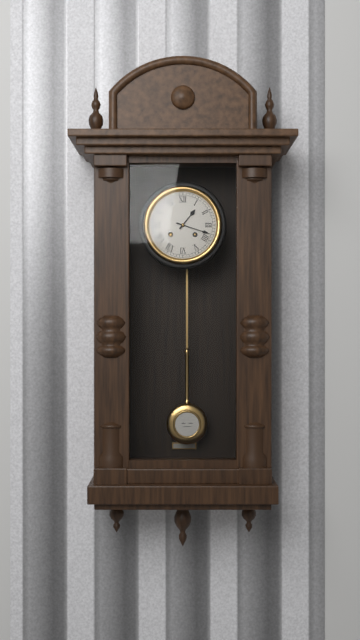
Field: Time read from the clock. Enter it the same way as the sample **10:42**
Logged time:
**1:18**
